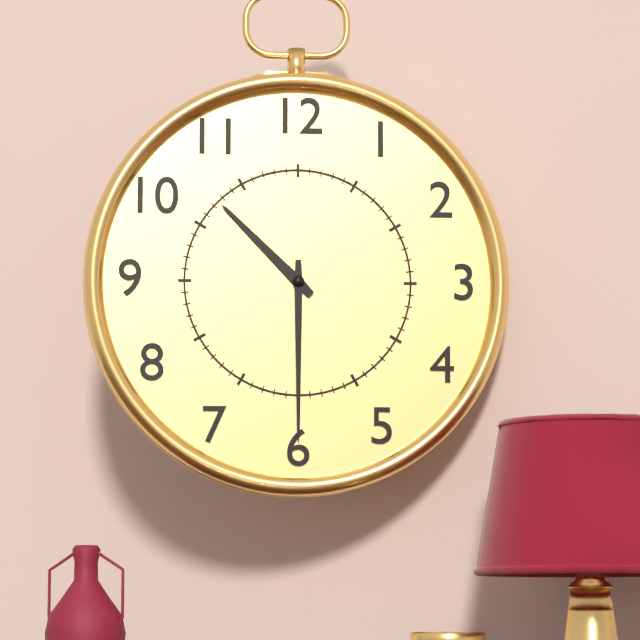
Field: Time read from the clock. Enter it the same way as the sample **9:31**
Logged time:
**10:30**
